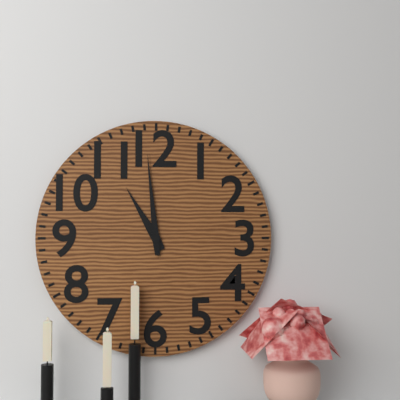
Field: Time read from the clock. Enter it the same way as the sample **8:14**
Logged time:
**10:59**
